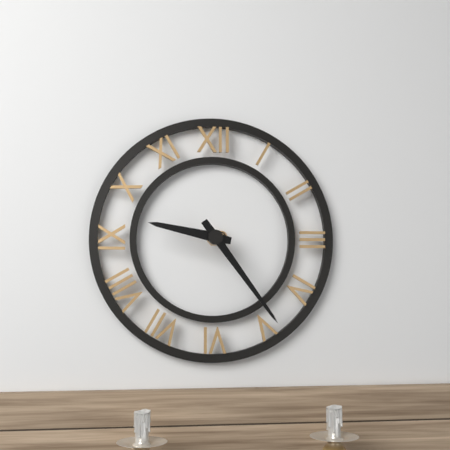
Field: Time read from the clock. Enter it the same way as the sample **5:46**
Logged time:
**9:24**
